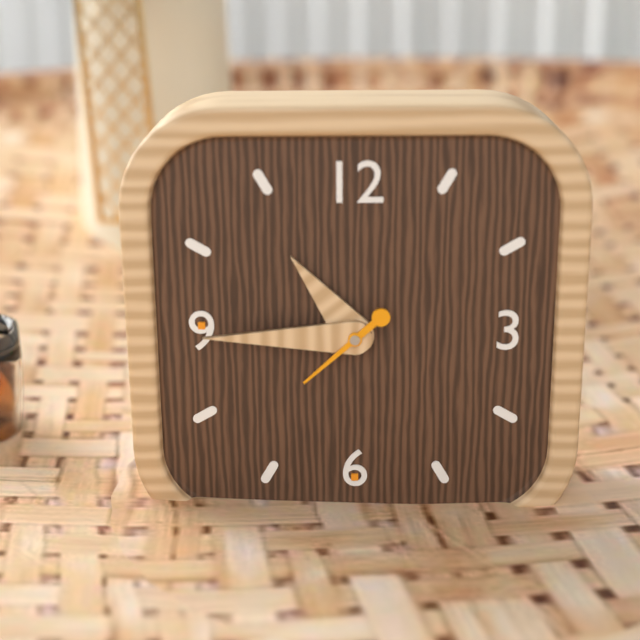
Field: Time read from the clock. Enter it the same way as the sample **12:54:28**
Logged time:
**10:45:38**
